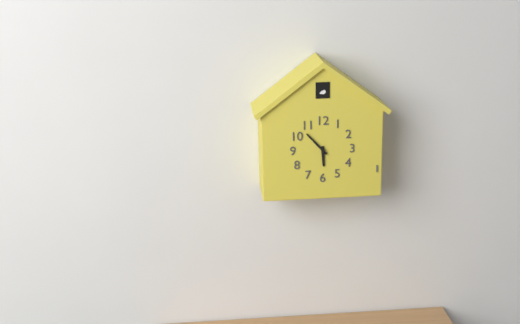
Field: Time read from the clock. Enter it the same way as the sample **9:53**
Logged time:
**5:53**
